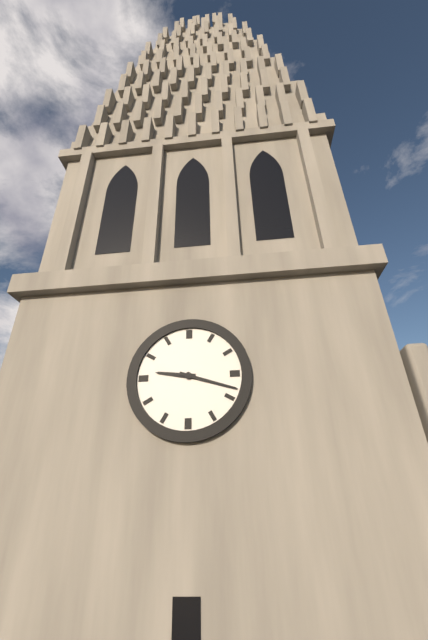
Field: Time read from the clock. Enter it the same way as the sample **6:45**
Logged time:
**9:18**
